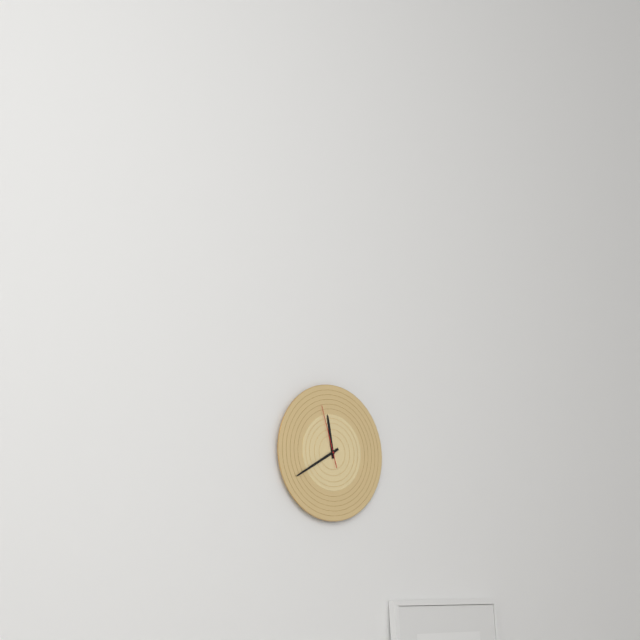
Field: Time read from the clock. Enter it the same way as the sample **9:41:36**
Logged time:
**11:40:57**
